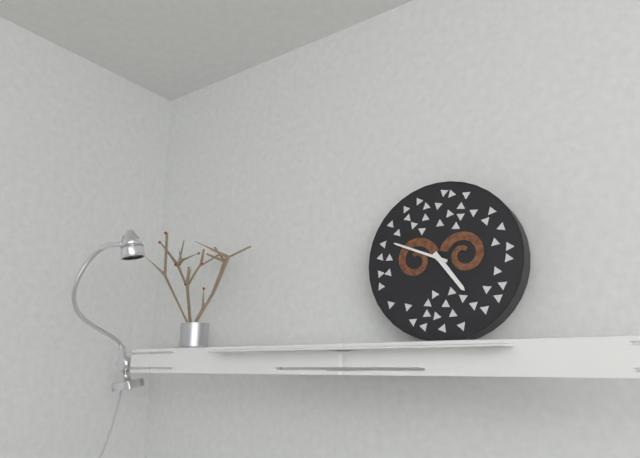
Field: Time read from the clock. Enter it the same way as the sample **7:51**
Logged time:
**4:49**
